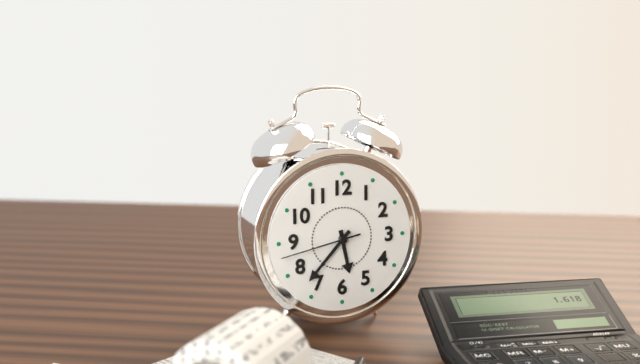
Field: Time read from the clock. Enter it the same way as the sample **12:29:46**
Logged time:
**5:37:43**
